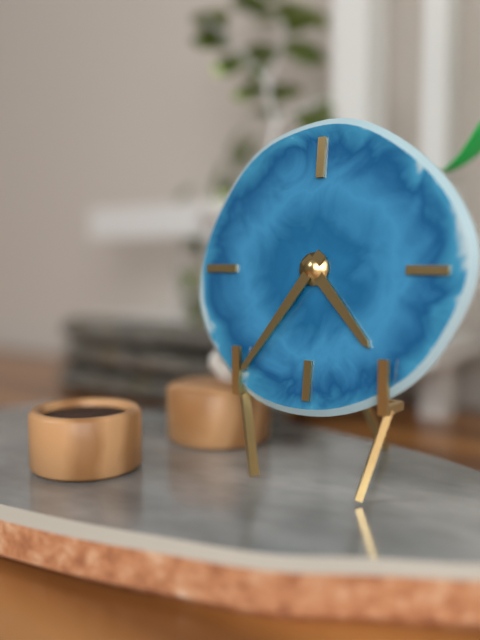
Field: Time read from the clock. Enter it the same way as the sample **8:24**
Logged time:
**4:36**
